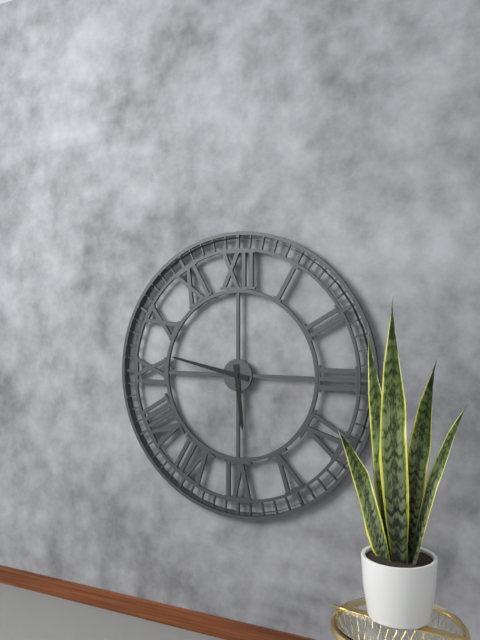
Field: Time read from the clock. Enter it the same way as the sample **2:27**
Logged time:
**5:47**
